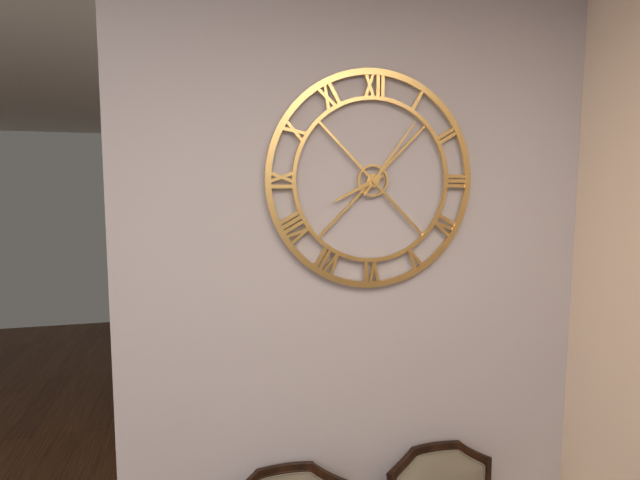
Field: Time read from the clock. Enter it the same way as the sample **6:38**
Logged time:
**8:06**
